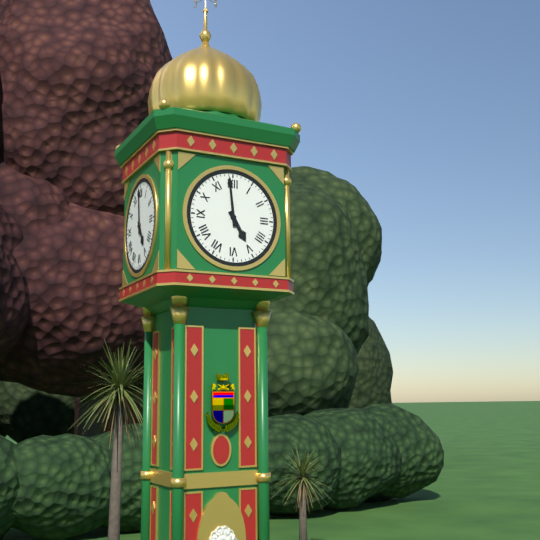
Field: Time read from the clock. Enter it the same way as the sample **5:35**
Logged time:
**4:59**
